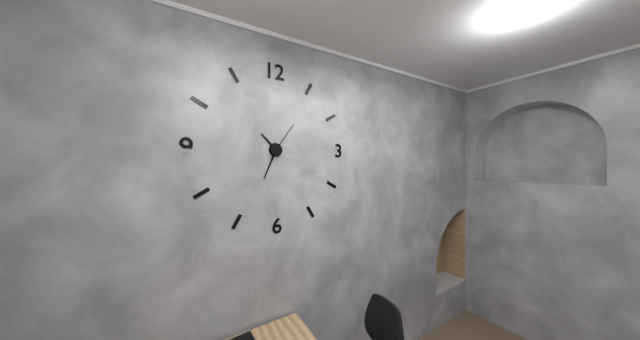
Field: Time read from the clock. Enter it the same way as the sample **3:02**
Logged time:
**10:34**
